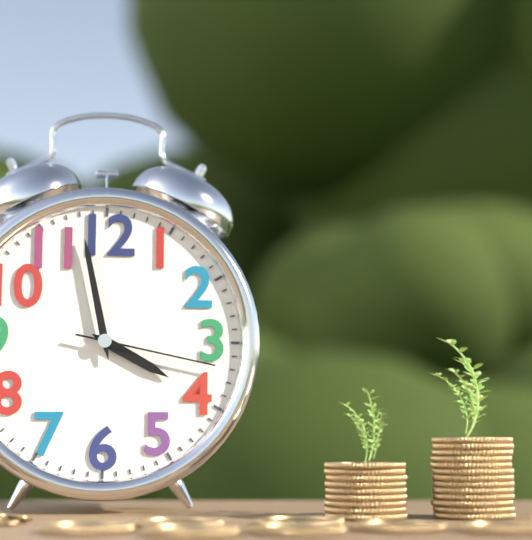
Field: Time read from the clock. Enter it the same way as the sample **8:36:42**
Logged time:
**3:58:17**
